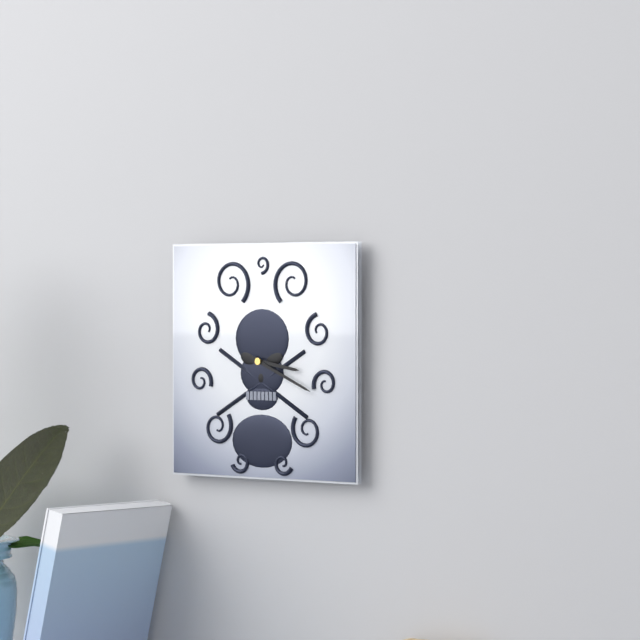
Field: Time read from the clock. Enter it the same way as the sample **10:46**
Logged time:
**3:19**
